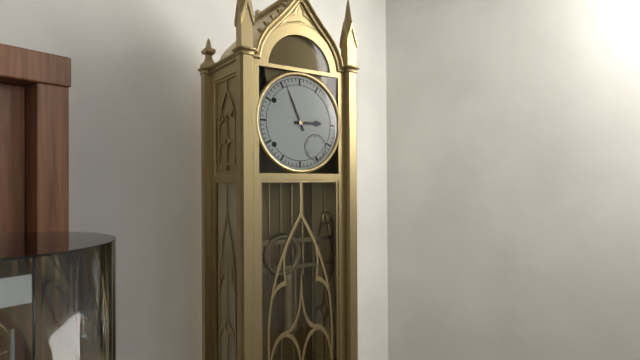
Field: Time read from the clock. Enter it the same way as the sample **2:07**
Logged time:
**2:56**
